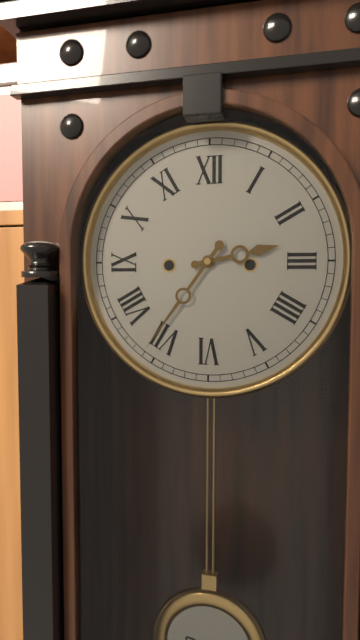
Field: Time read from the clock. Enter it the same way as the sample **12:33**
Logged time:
**2:36**
